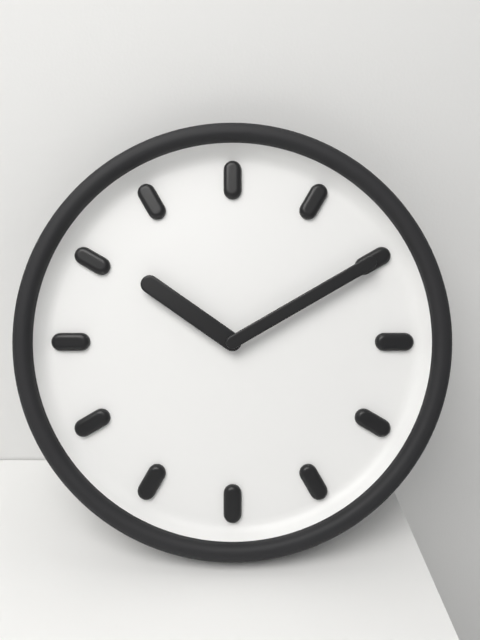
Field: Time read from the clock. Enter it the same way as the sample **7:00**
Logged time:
**10:10**
